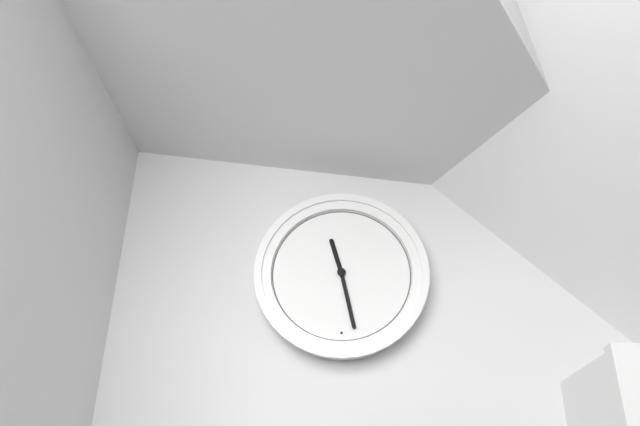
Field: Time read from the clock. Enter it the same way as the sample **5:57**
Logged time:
**11:28**
